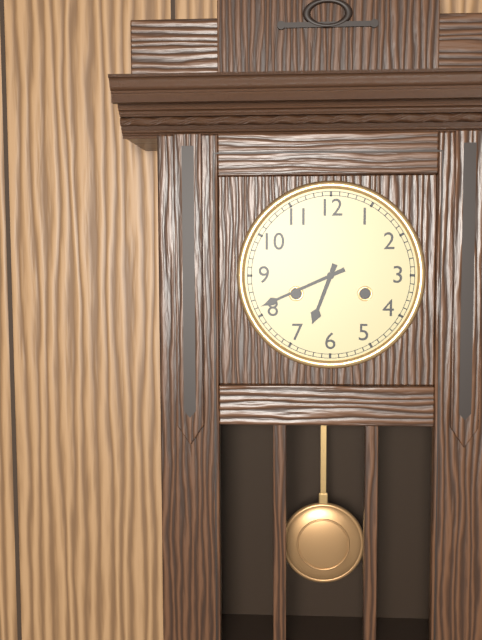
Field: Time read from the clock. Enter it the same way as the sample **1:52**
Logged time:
**6:41**
